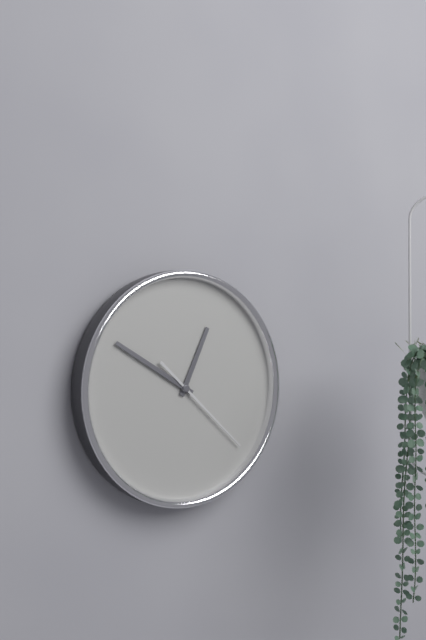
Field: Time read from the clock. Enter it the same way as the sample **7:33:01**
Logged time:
**12:50:22**
